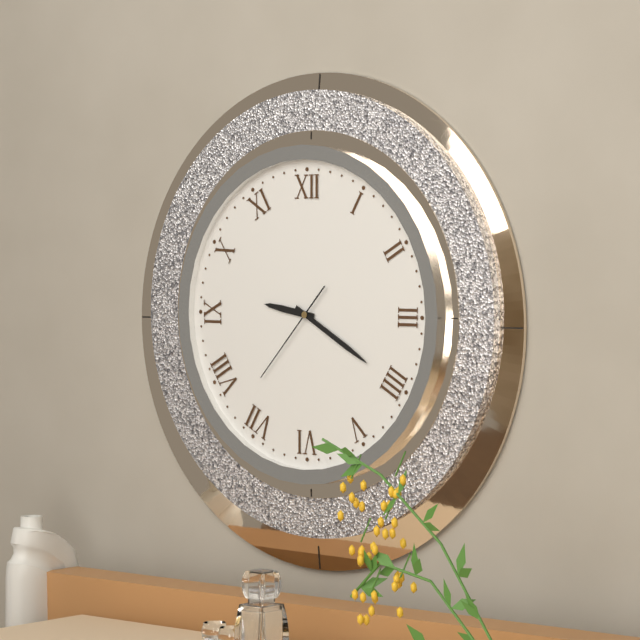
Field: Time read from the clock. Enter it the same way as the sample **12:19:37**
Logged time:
**9:20:37**
